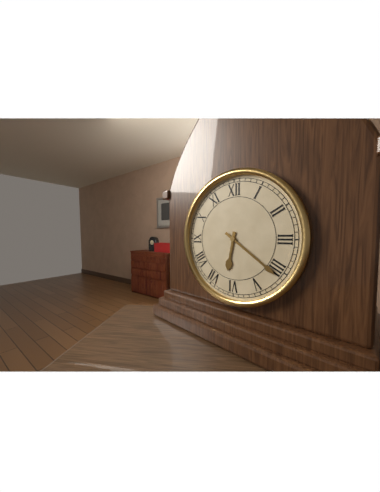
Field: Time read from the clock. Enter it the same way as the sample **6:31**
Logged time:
**6:21**
